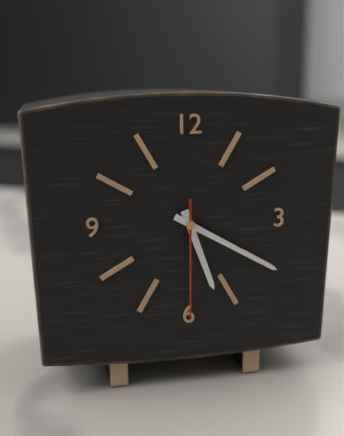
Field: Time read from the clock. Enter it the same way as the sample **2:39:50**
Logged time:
**5:20:30**
